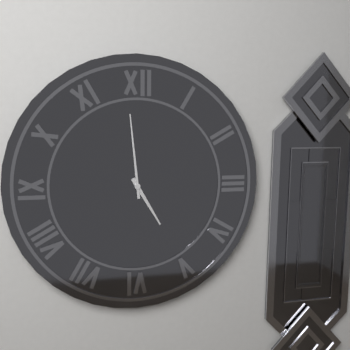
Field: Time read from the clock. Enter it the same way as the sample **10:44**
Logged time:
**4:59**
